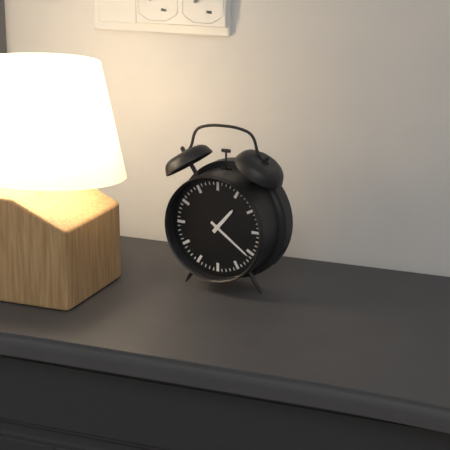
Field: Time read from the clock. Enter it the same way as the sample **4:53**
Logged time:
**1:21**
